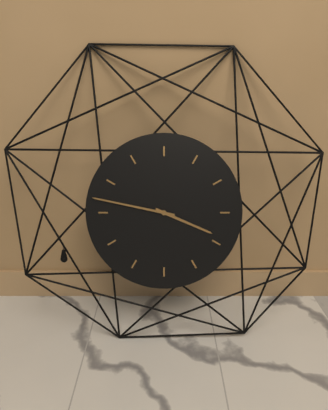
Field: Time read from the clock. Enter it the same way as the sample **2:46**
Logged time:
**3:47**
